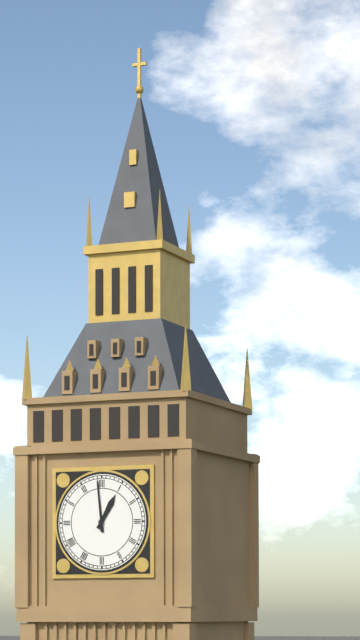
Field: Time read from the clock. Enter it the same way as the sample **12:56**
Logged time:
**12:59**
